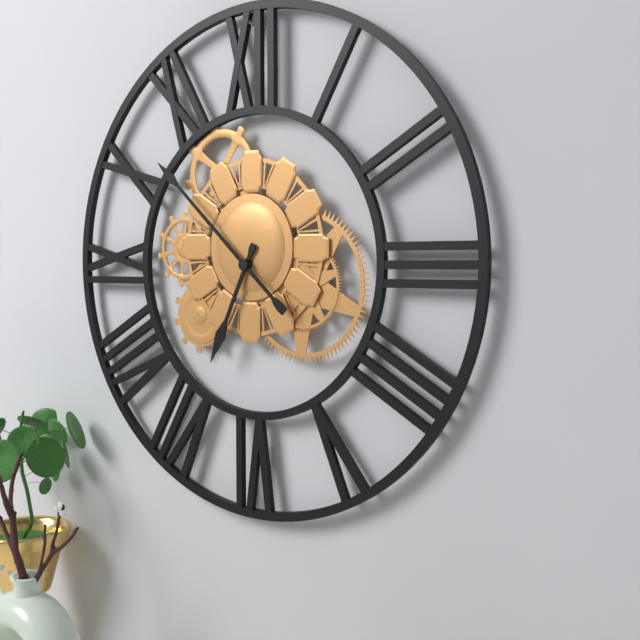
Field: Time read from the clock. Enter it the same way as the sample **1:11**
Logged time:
**6:52**
